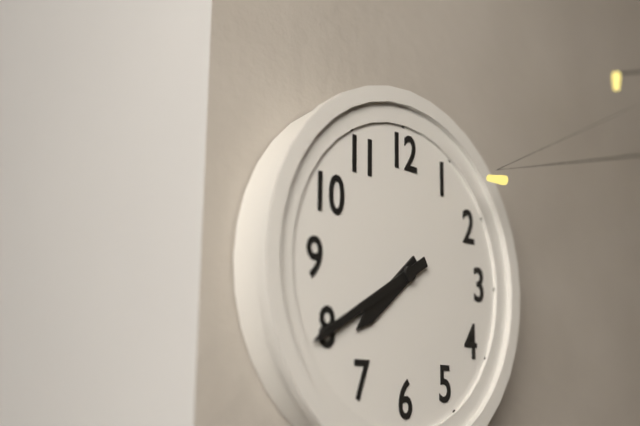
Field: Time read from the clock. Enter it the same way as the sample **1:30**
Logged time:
**7:40**
